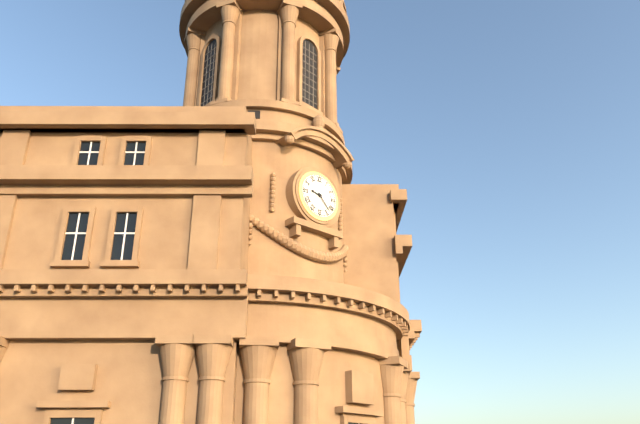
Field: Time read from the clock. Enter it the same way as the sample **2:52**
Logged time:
**9:23**
